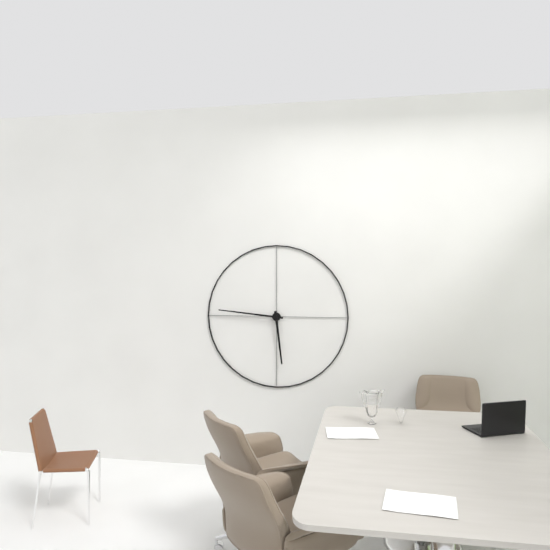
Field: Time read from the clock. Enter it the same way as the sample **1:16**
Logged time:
**5:46**
